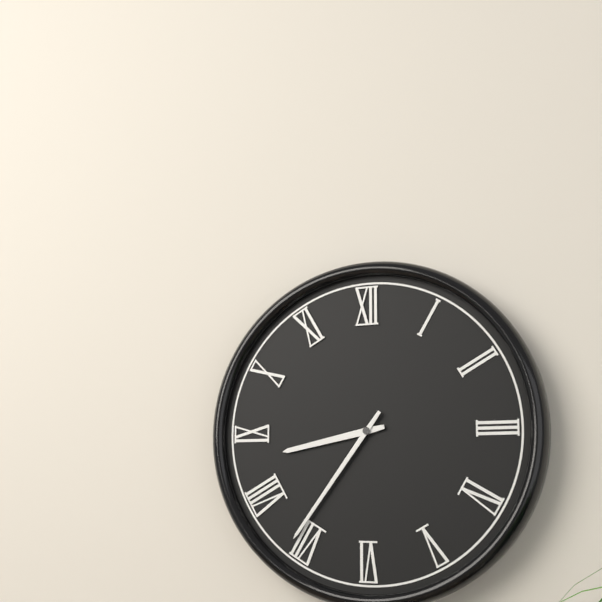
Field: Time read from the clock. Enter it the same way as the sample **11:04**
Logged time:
**8:36**
